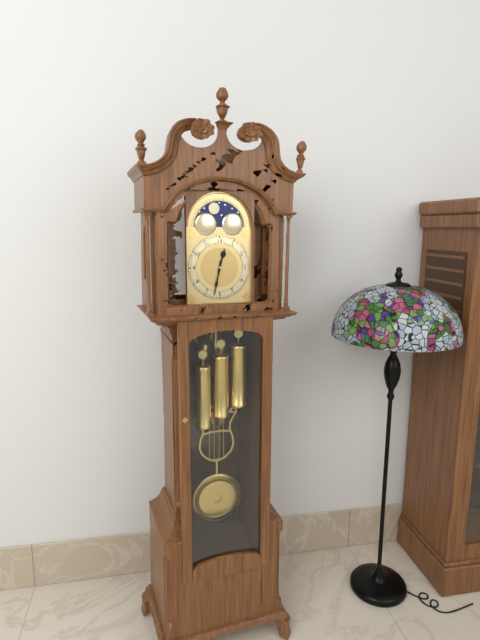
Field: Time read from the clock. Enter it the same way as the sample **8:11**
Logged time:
**12:32**
